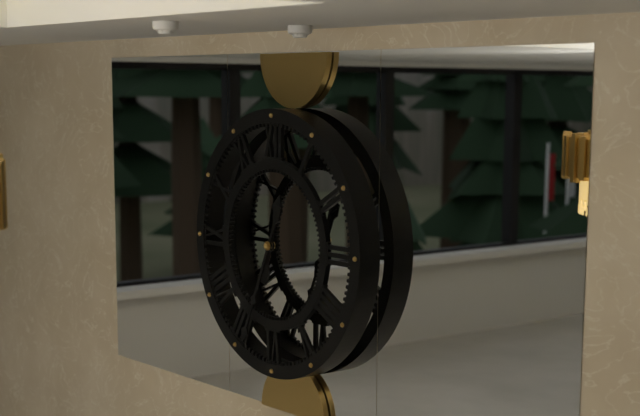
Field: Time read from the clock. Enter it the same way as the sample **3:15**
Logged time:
**12:34**
